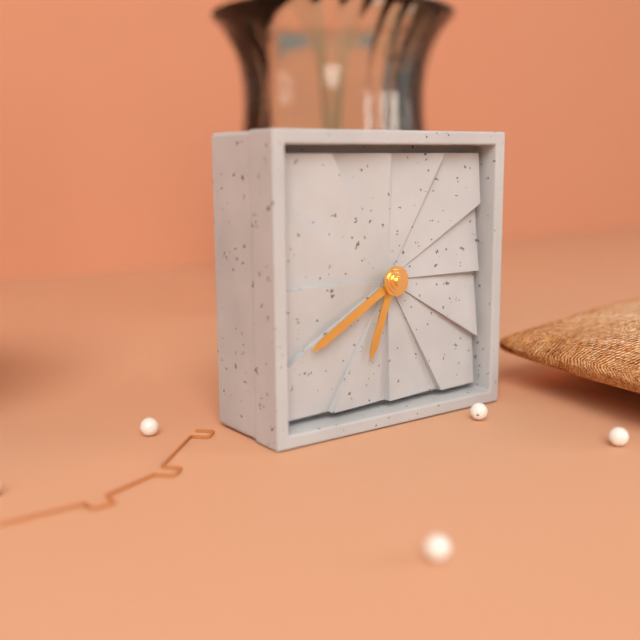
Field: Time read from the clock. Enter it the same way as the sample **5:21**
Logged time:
**6:40**
